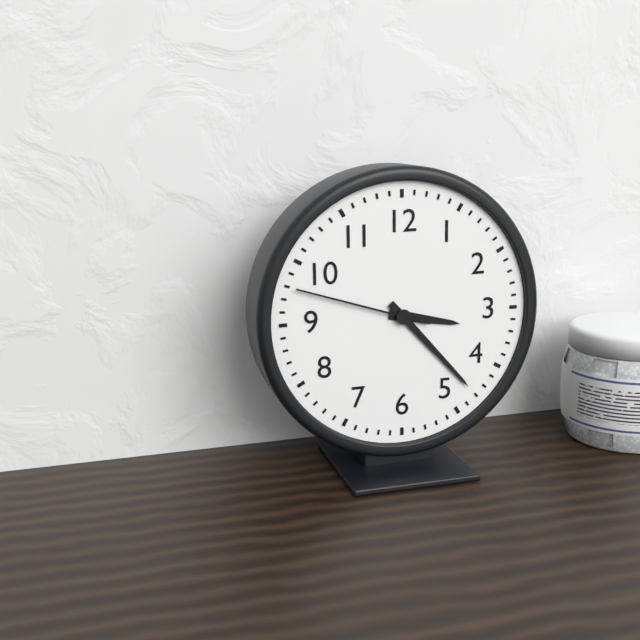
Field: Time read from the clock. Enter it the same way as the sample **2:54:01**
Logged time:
**3:23:48**
